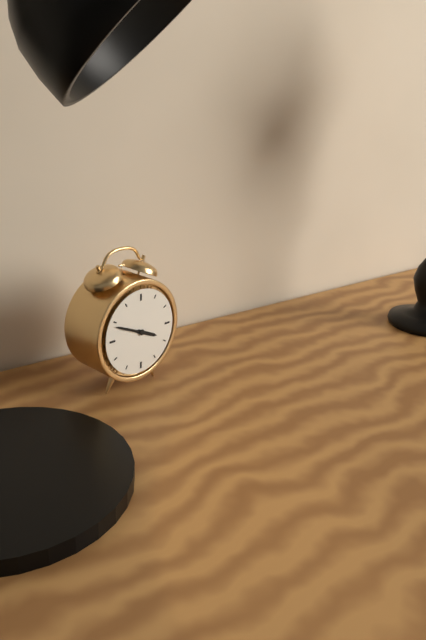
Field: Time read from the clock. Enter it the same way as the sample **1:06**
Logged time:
**3:49**
